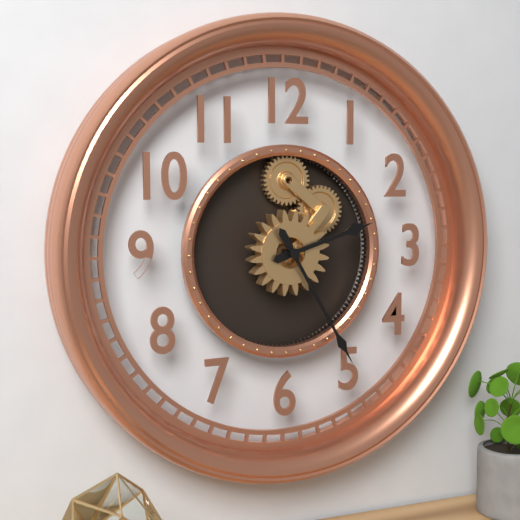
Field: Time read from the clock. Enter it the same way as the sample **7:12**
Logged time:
**2:25**
